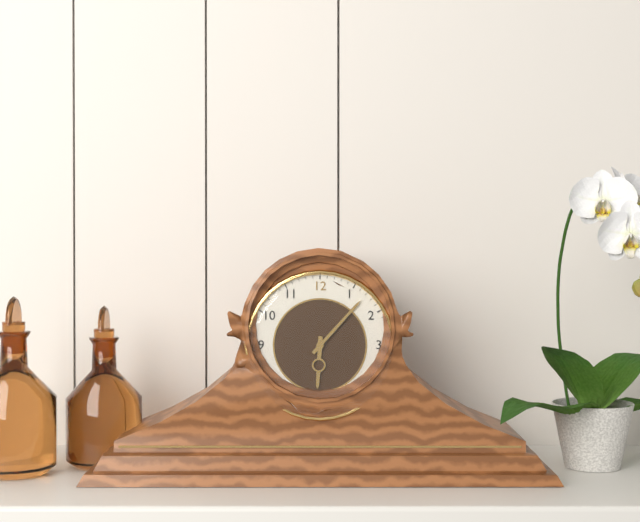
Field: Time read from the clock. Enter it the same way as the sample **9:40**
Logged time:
**6:07**
